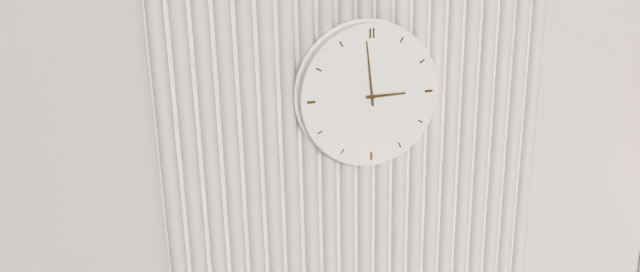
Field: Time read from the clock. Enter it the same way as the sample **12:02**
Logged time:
**2:59**
